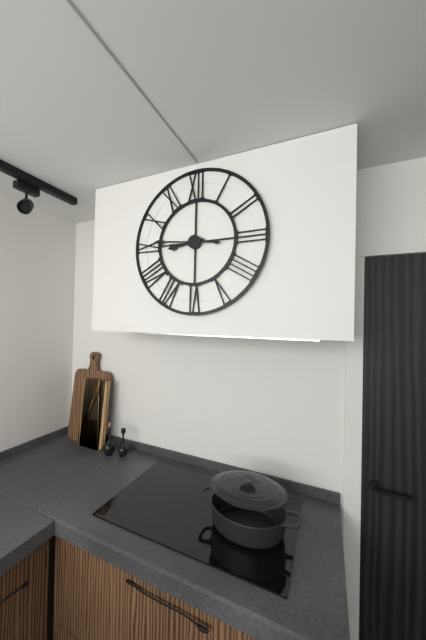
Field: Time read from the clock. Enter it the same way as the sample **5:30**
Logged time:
**8:46**
